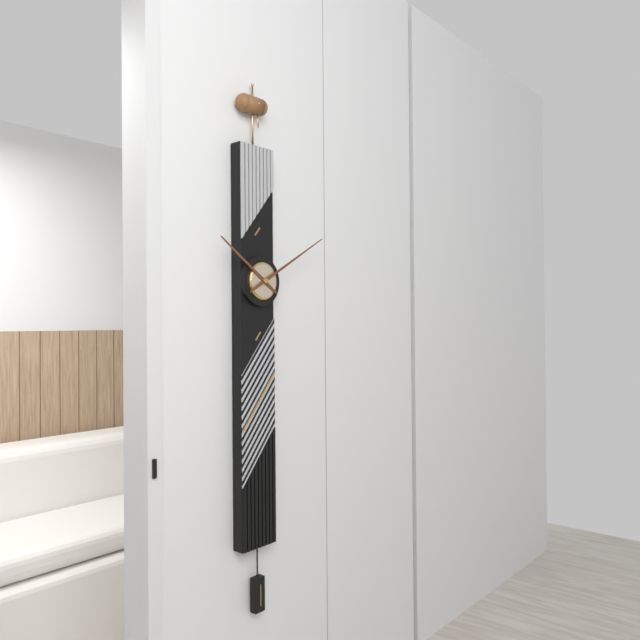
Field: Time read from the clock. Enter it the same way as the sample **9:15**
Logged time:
**10:10**
